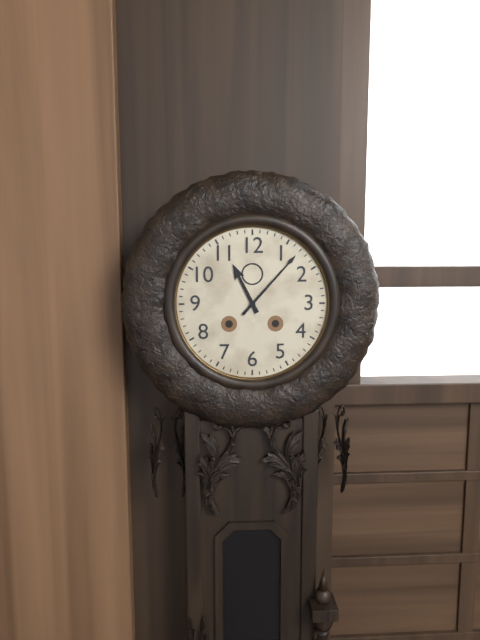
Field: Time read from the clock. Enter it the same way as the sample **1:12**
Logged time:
**11:07**
